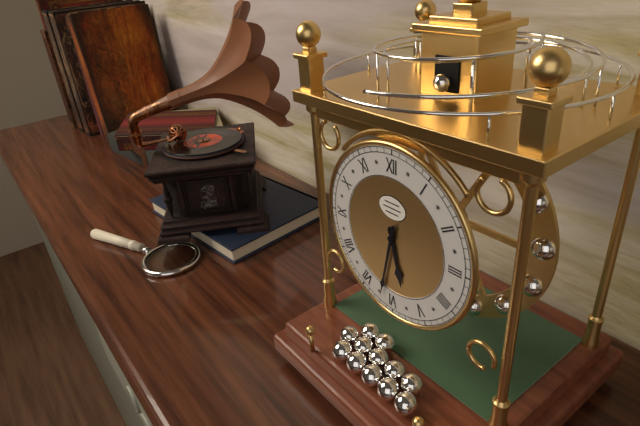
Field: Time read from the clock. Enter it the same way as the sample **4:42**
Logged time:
**5:32**
